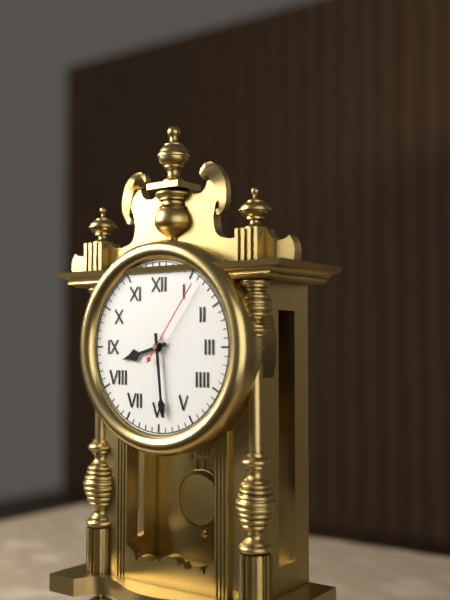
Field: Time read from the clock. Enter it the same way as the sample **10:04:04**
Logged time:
**8:29:06**
